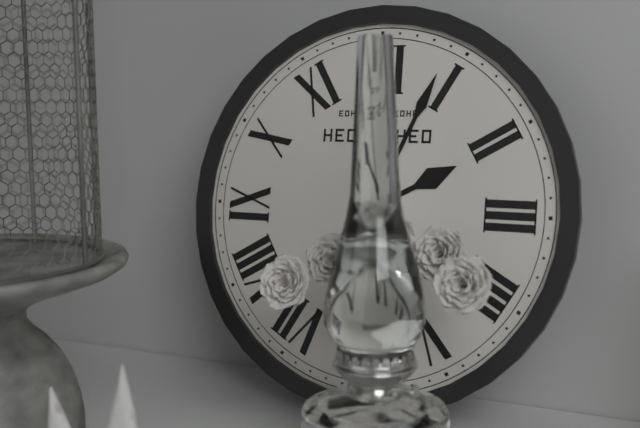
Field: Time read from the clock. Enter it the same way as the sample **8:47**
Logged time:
**2:04**
